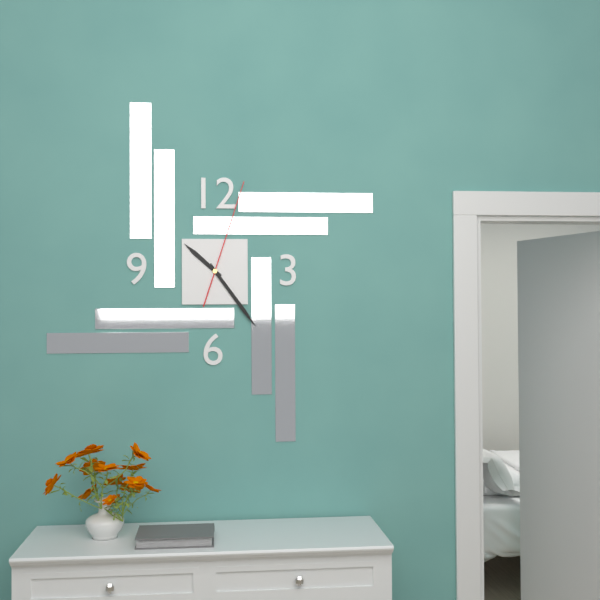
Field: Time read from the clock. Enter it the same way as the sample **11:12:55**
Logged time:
**10:24:03**
